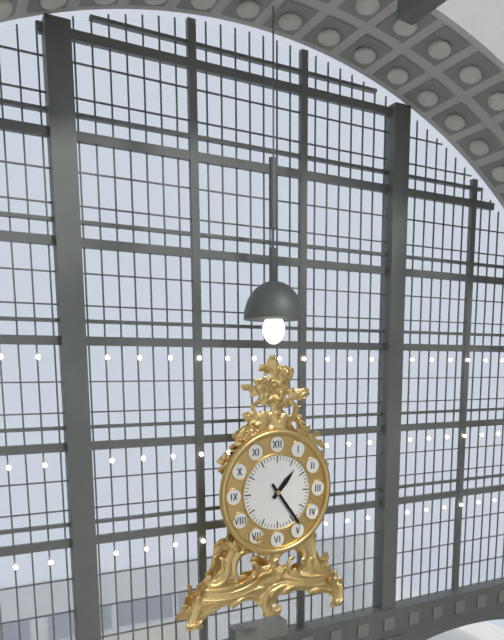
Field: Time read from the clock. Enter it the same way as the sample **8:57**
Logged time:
**1:24**
